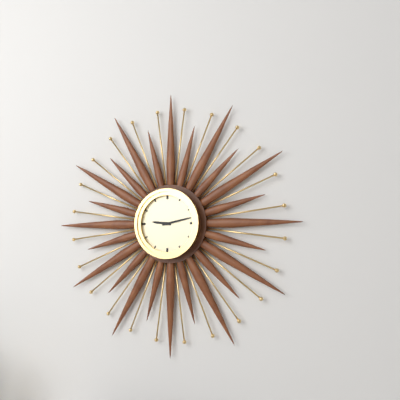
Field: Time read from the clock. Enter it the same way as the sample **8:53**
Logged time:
**9:13**
